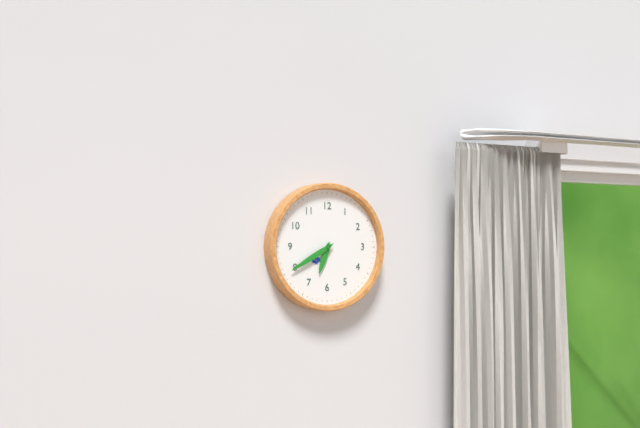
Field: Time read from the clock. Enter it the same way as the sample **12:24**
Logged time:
**6:40**
